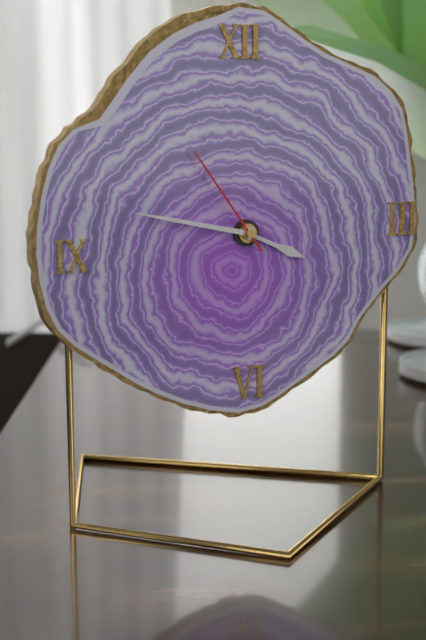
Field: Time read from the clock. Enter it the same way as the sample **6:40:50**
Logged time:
**3:47:54**
